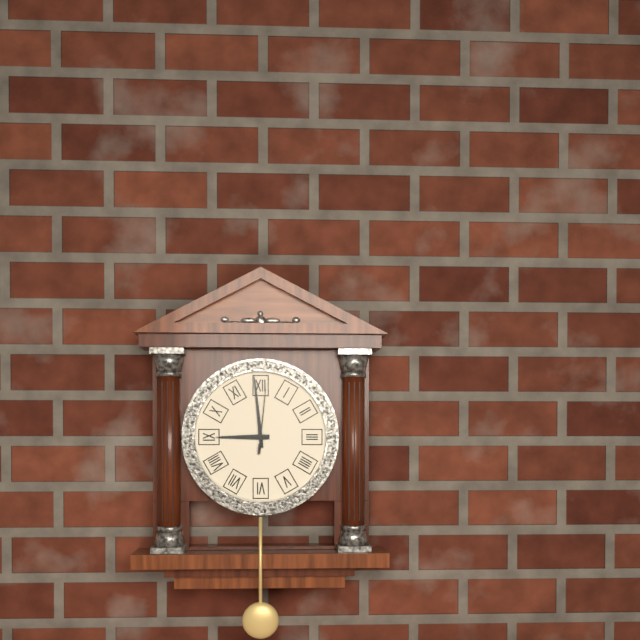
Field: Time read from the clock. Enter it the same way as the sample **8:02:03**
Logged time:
**8:59:01**
